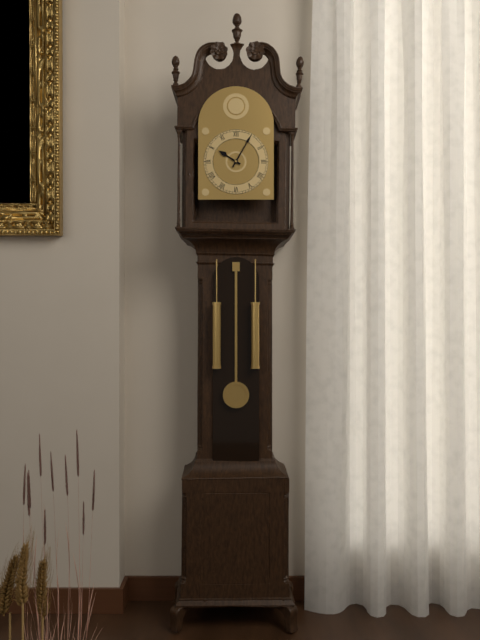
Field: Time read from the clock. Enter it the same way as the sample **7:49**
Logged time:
**10:05**
